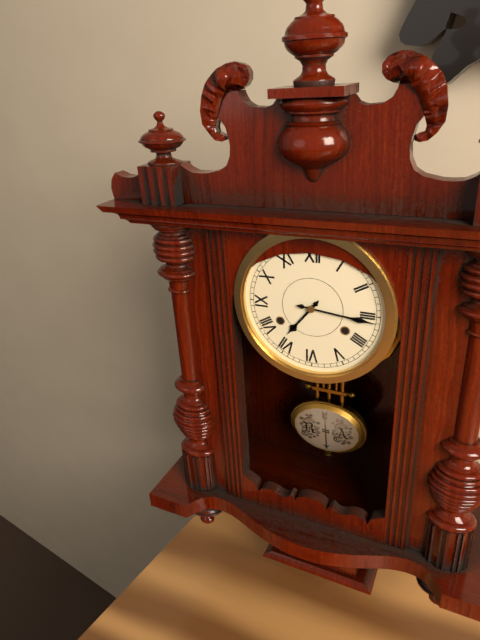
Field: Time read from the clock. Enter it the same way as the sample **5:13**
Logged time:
**7:16**
